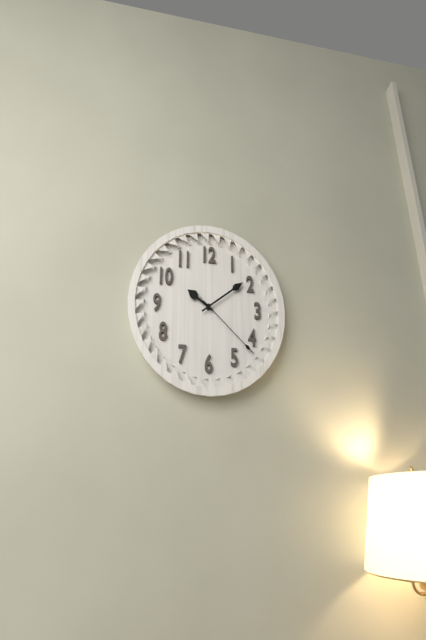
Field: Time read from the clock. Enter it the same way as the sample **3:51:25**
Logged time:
**10:09:22**
